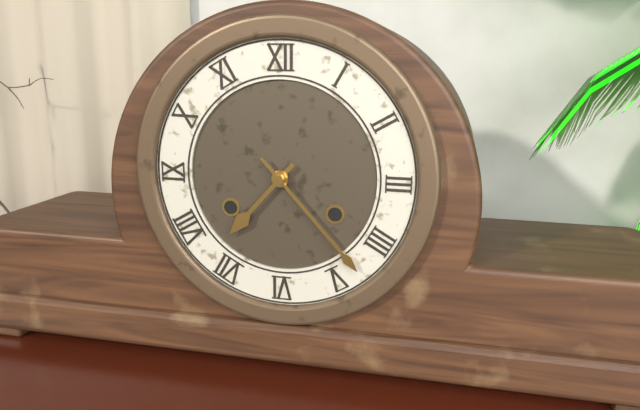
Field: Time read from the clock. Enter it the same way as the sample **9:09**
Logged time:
**7:23**
